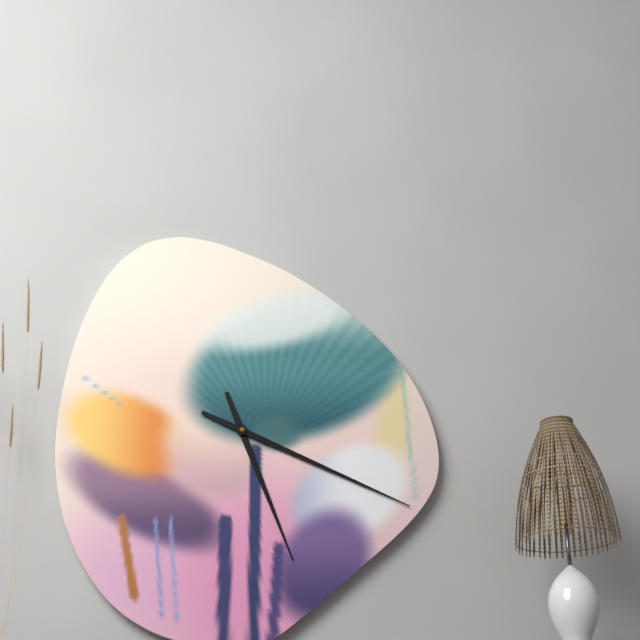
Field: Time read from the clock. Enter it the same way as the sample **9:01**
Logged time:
**5:19**
